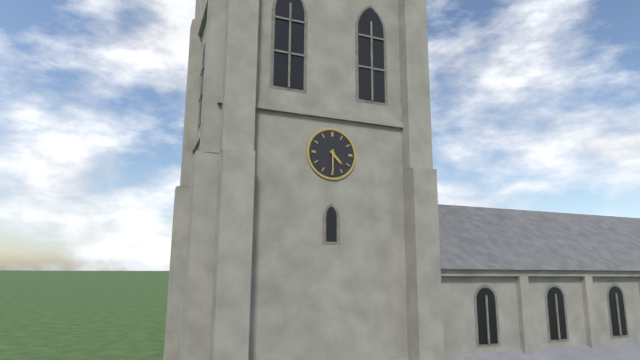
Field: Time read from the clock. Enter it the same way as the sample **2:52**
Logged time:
**4:30**
